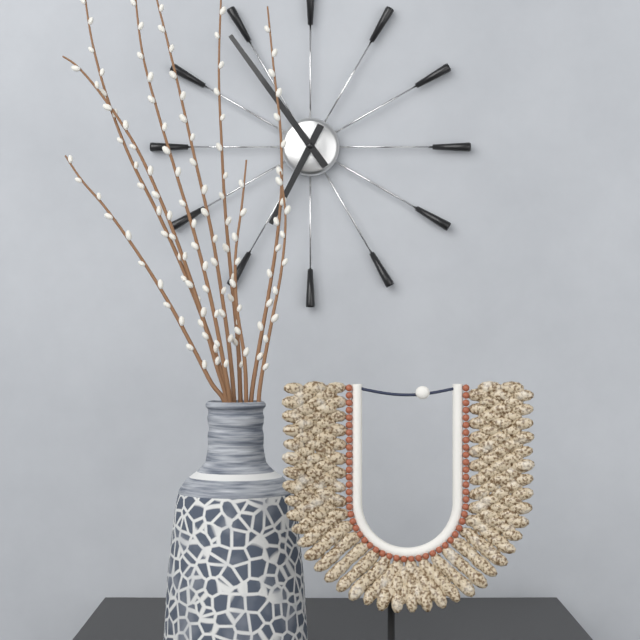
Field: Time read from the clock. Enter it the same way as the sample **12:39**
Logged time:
**6:54**
